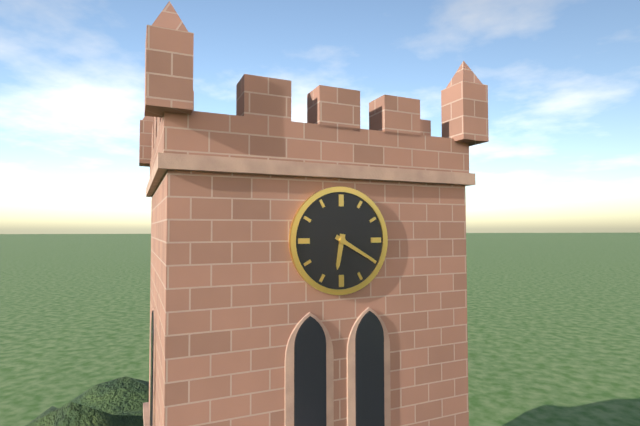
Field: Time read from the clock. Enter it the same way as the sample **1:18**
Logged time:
**6:20**
